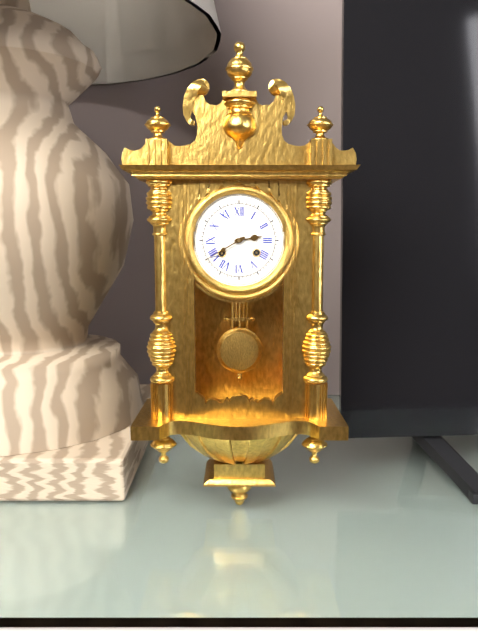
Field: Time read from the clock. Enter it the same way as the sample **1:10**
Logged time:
**2:40**
